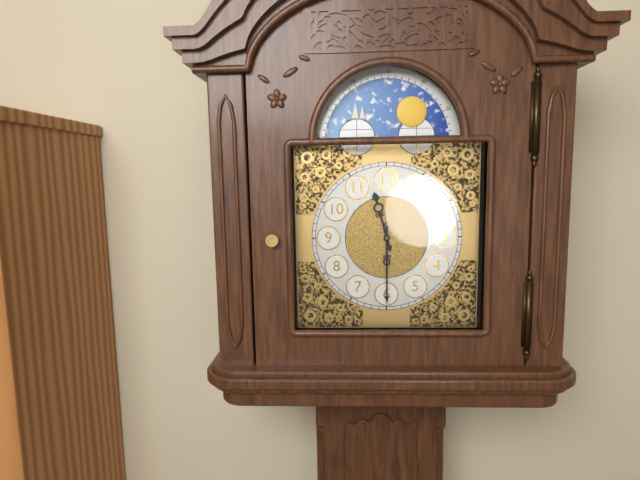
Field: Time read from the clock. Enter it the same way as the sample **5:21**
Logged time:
**11:30**
